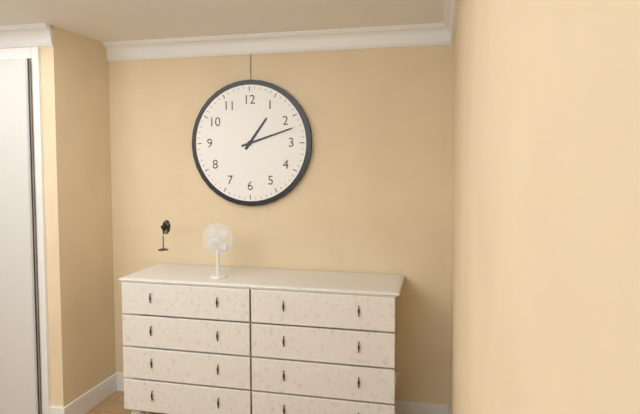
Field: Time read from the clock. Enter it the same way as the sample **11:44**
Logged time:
**1:12**
